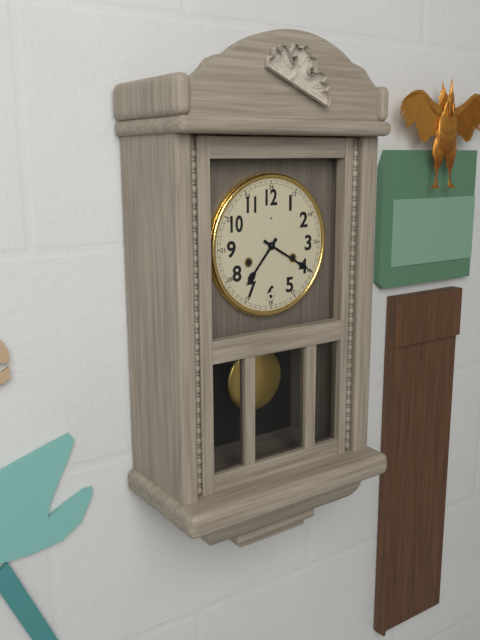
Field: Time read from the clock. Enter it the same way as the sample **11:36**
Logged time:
**7:20**
